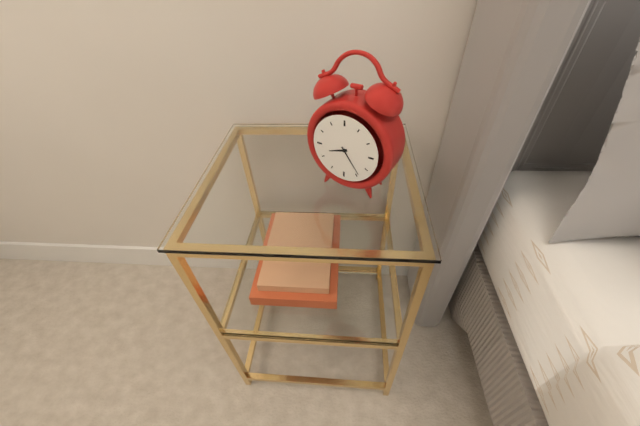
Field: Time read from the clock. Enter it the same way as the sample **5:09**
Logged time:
**8:24**
